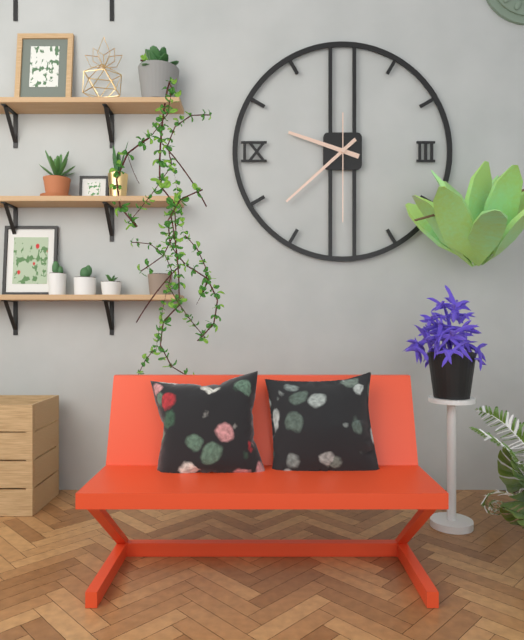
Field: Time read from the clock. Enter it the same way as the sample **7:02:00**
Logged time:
**9:38:30**
